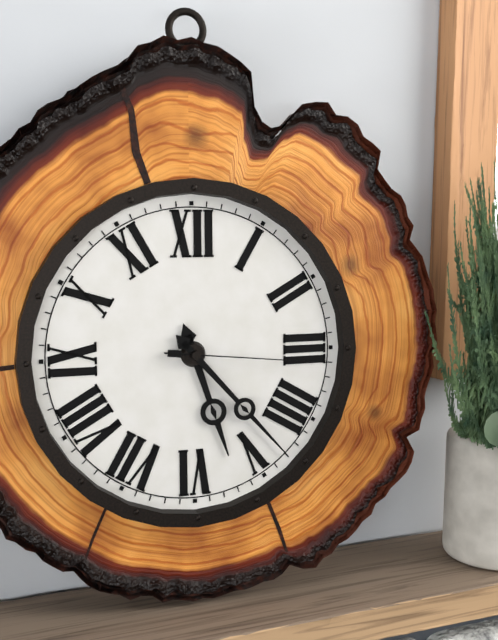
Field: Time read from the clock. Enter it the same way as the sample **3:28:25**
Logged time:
**5:23:16**
